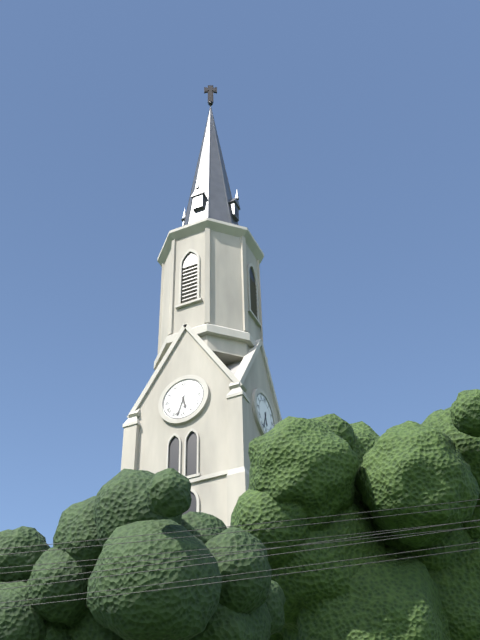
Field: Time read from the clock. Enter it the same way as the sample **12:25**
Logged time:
**5:33**
